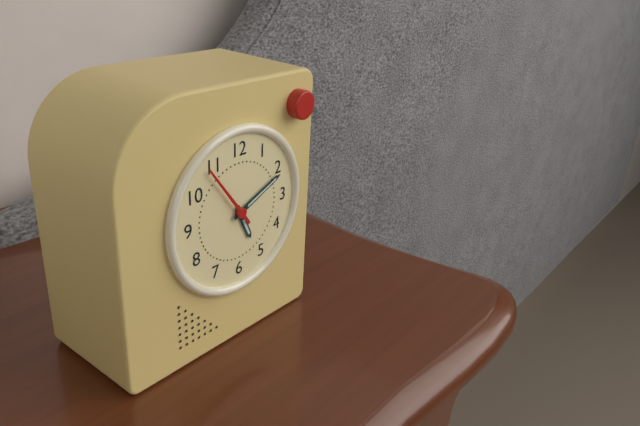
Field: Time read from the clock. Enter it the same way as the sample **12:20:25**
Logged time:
**5:11:54**
